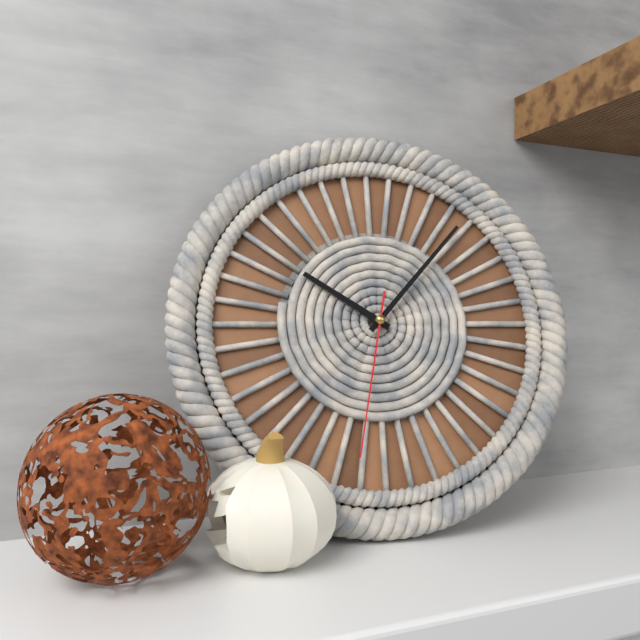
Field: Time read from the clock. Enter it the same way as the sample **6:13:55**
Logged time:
**10:07:32**
